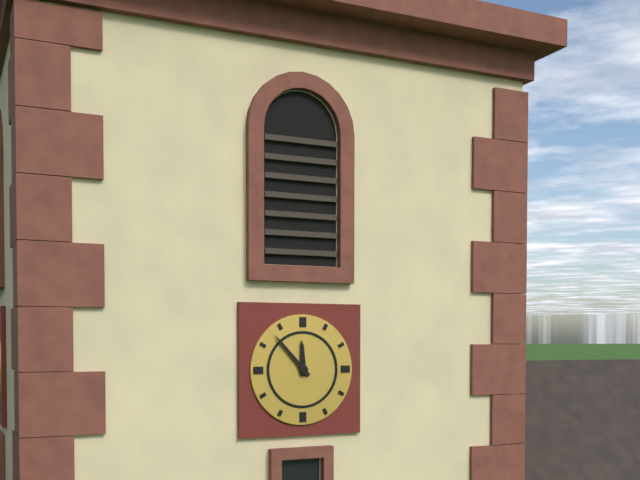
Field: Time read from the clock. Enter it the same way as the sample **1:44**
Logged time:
**11:53**
